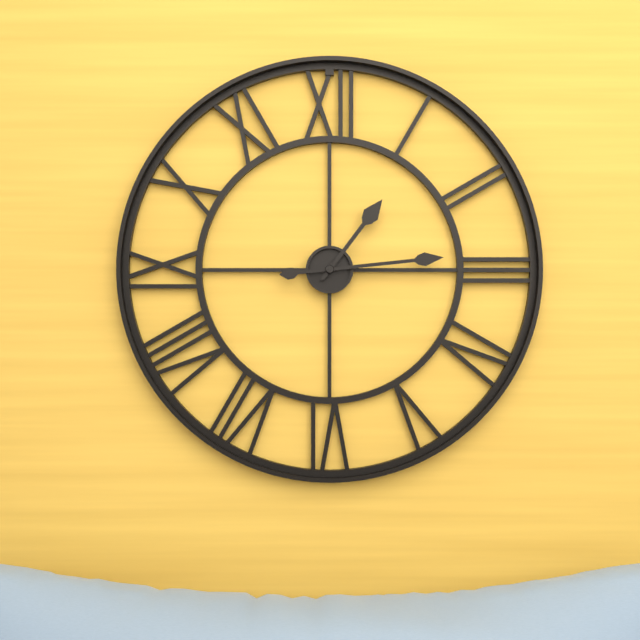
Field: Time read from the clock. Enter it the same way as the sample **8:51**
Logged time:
**1:14**
